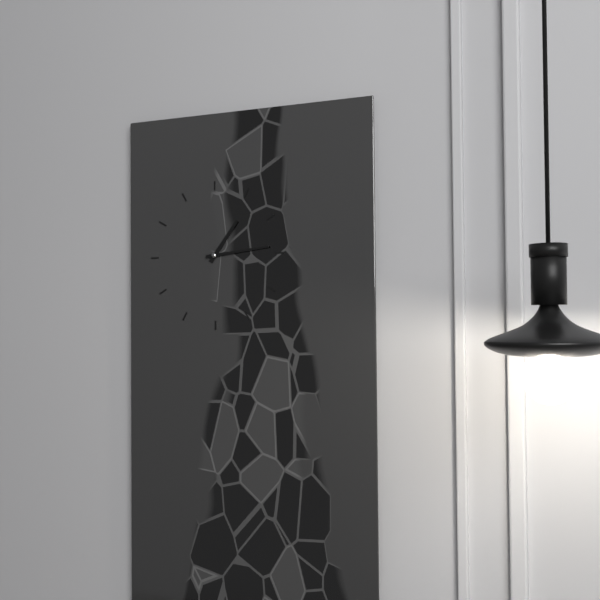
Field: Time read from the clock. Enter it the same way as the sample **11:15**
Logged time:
**1:14**
